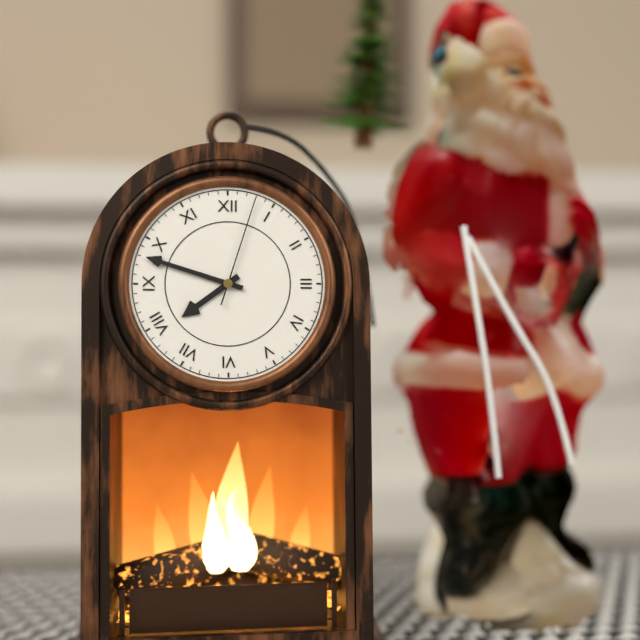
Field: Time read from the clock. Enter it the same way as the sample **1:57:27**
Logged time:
**7:48:03**
